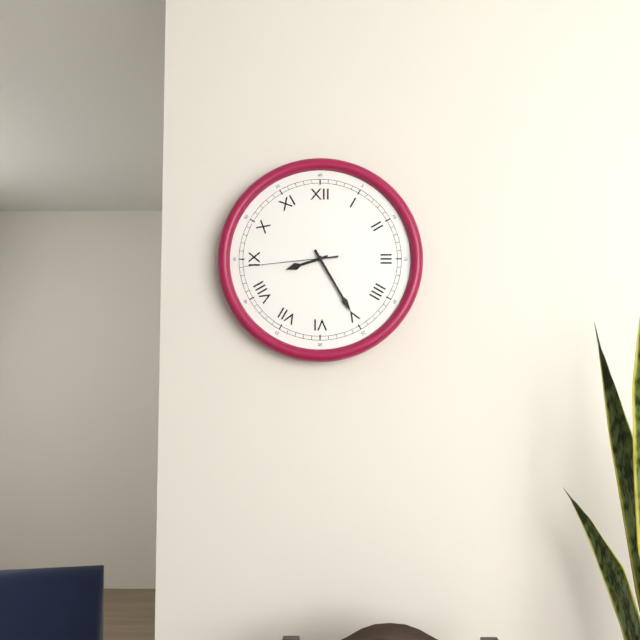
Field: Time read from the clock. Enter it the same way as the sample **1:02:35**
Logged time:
**8:25:44**
